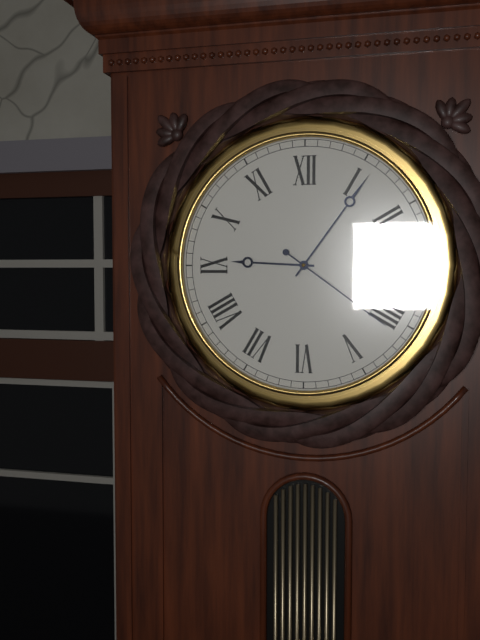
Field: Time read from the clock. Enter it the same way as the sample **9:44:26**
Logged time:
**9:06:21**
